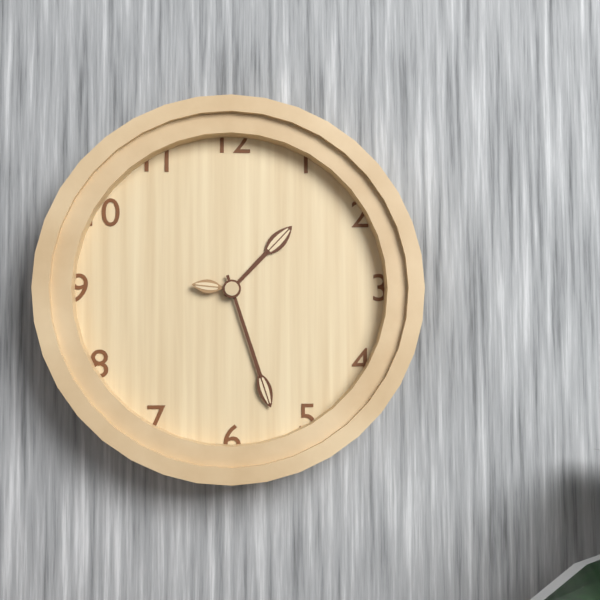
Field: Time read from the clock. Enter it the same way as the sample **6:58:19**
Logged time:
**1:27:46**
